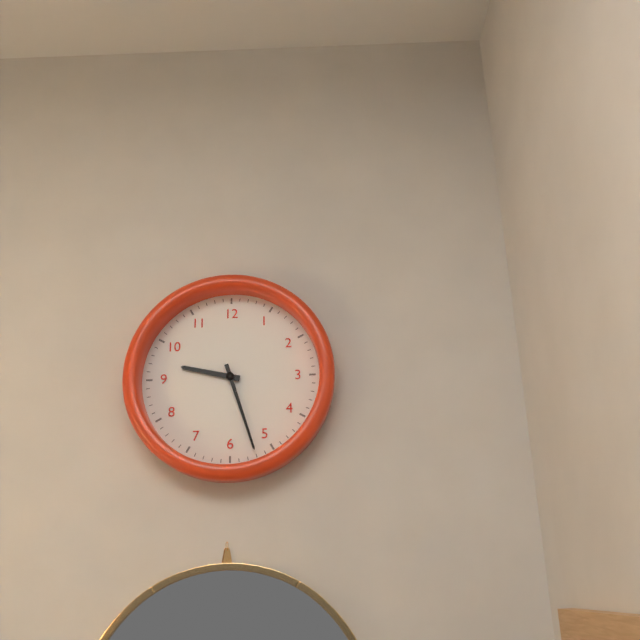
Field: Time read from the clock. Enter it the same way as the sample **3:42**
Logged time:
**9:27**
